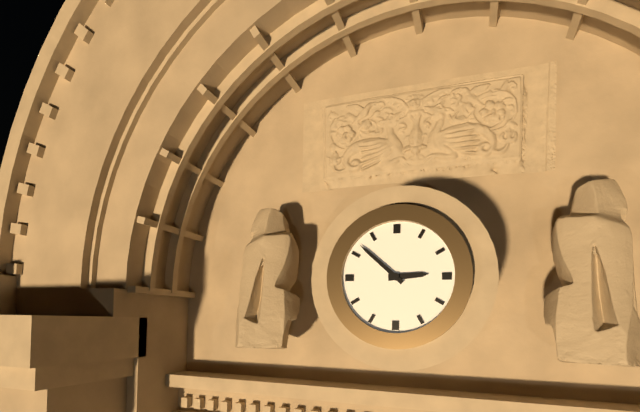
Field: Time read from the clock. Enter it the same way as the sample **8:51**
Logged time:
**2:52**
